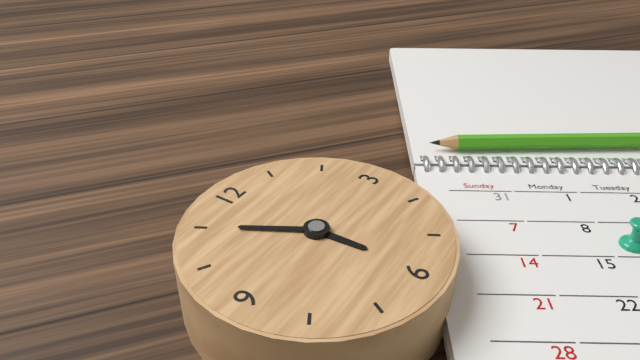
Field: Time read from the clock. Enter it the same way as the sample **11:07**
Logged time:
**5:55**
